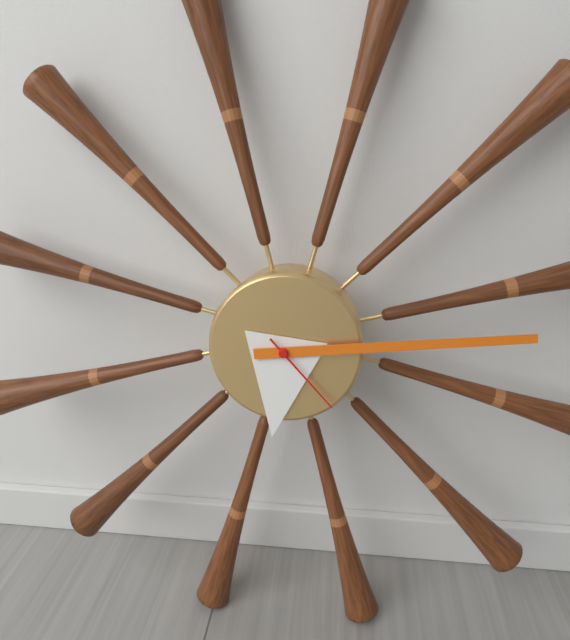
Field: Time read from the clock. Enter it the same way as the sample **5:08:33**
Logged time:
**6:14:23**
